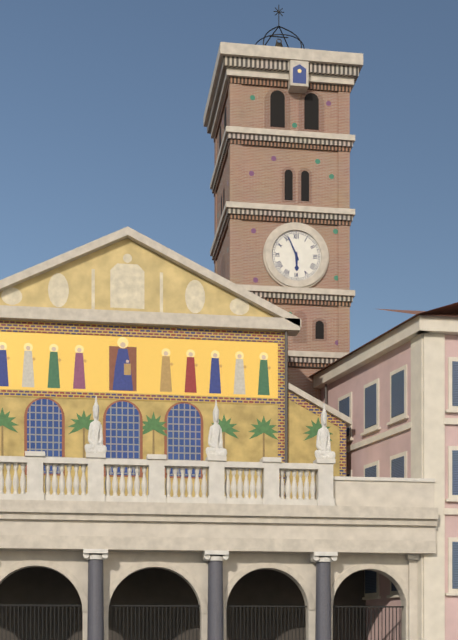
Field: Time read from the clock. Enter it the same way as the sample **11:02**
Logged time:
**5:56**
